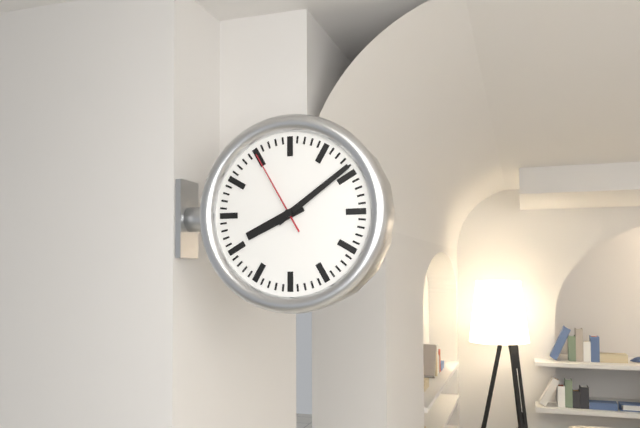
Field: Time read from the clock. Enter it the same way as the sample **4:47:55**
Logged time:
**8:09:55**
